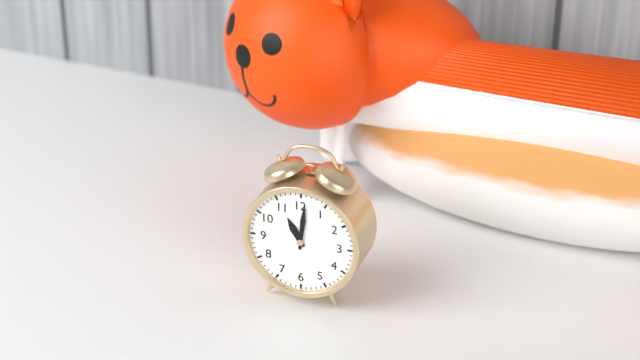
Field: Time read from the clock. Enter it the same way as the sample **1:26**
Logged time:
**11:01**
